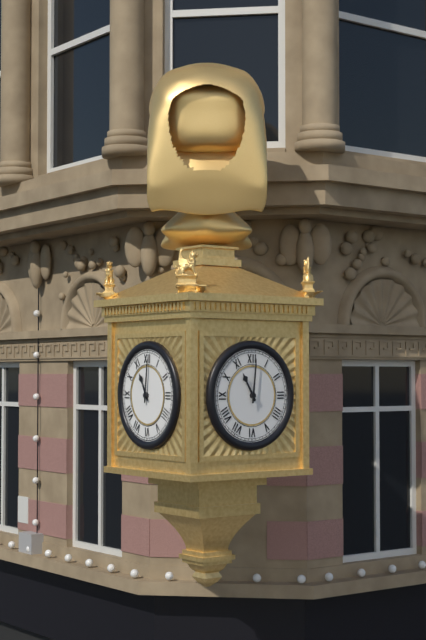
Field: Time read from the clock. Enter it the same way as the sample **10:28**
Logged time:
**11:01**
